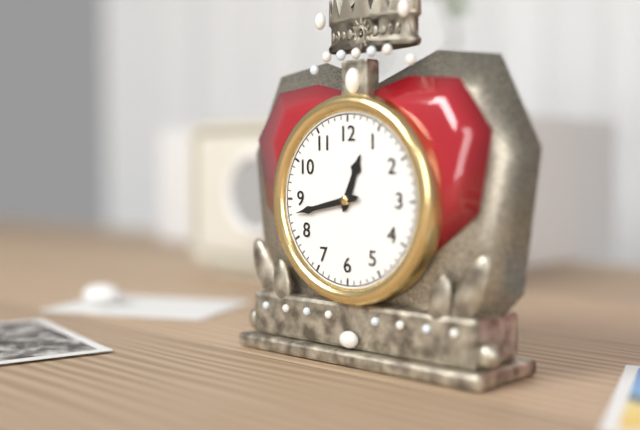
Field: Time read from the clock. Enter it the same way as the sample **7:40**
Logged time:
**12:43**
